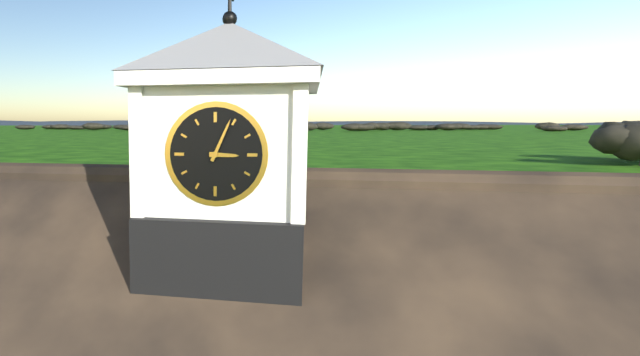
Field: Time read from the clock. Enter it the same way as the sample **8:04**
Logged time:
**3:04**
